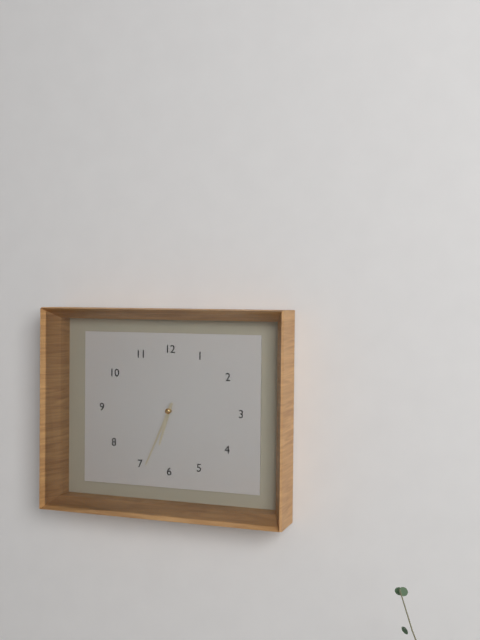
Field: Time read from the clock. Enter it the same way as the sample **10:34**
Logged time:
**6:34**
